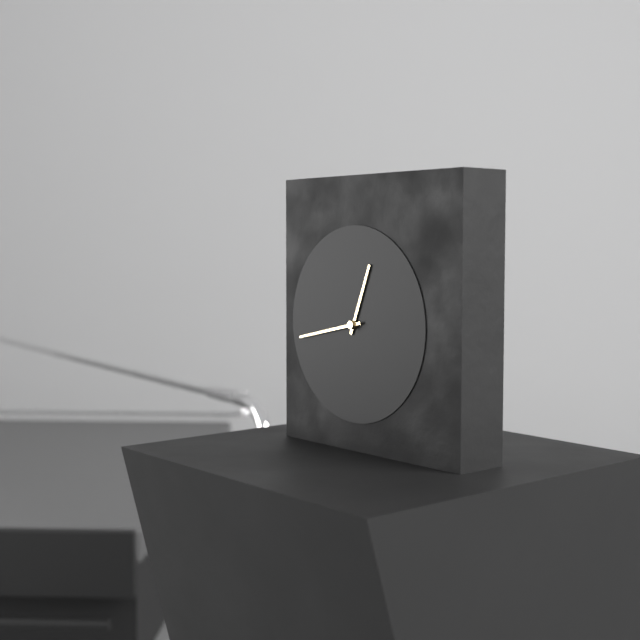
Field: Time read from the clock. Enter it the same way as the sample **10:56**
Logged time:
**12:43**
